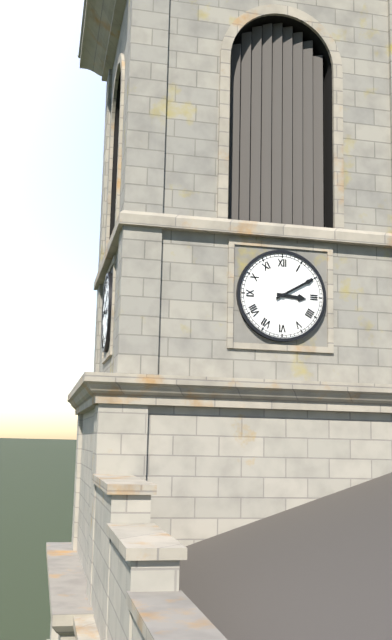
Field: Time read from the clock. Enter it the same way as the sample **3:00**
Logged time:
**3:10**
